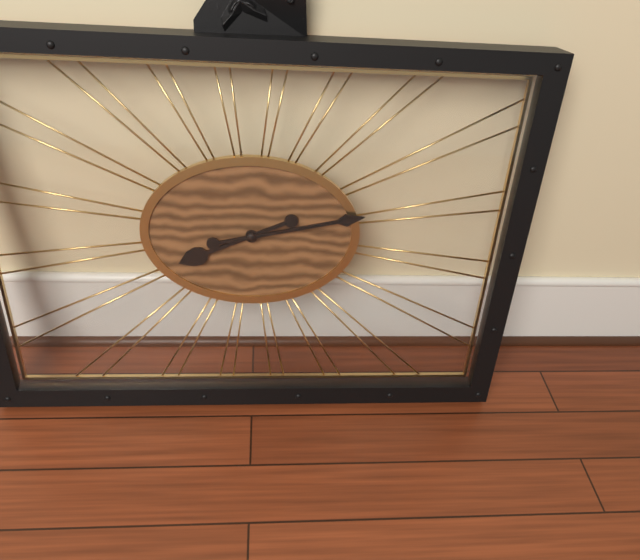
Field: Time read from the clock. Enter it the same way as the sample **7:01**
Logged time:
**8:13**
